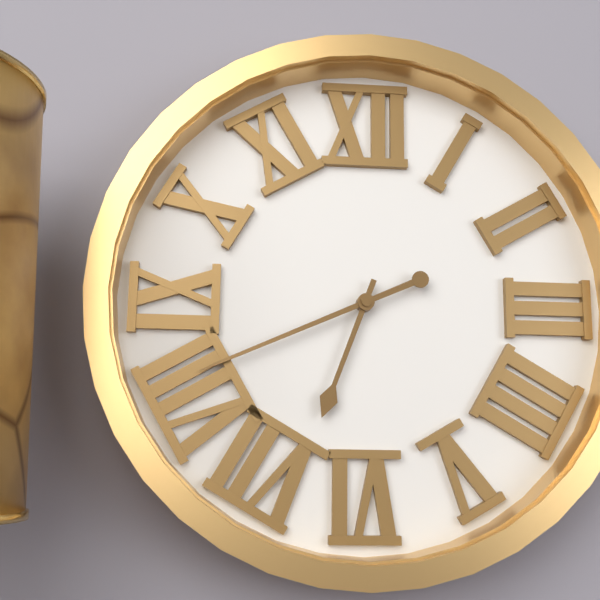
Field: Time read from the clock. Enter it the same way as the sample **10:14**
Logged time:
**6:41**
